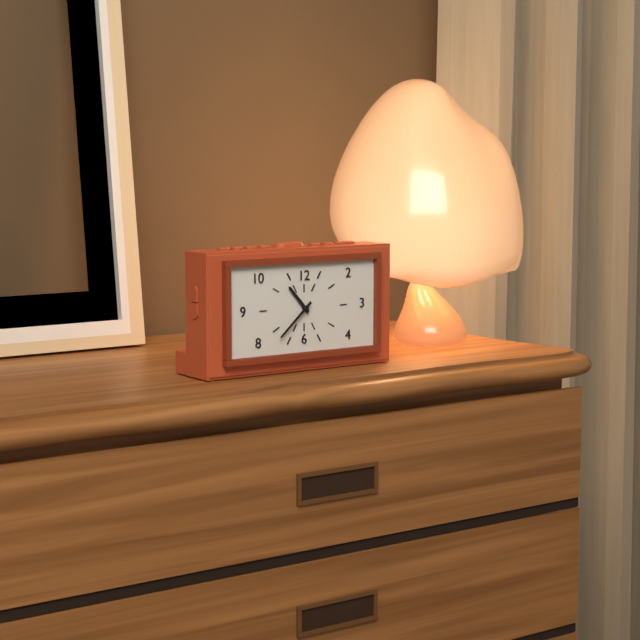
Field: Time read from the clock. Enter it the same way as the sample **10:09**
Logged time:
**10:38**
